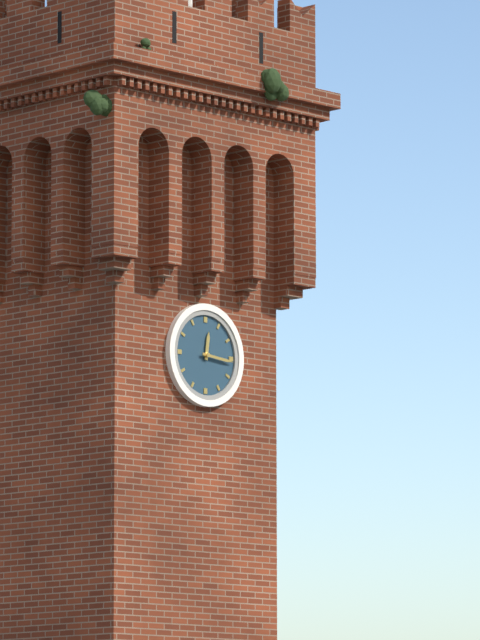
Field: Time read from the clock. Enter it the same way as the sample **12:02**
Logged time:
**12:16**
